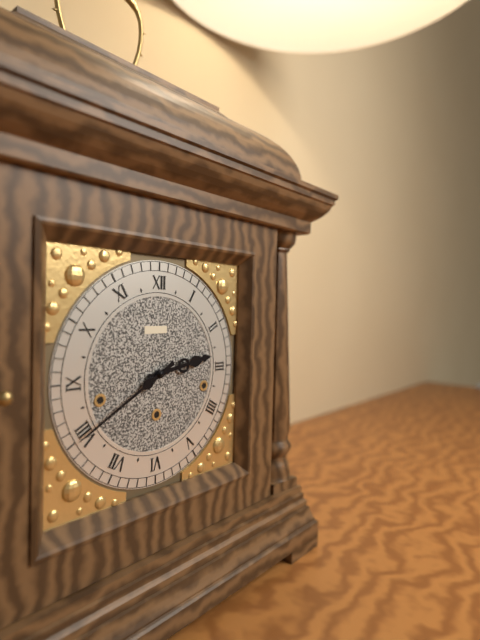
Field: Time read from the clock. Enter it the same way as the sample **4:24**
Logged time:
**2:40**
